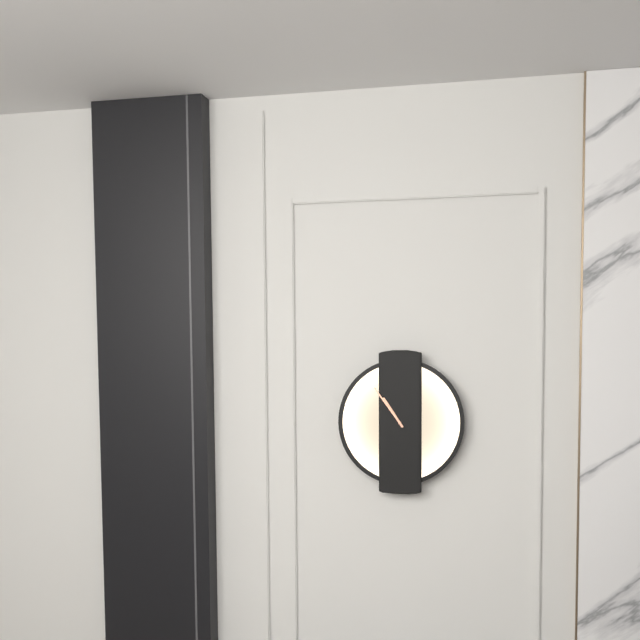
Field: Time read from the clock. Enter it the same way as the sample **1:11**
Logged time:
**10:54**
